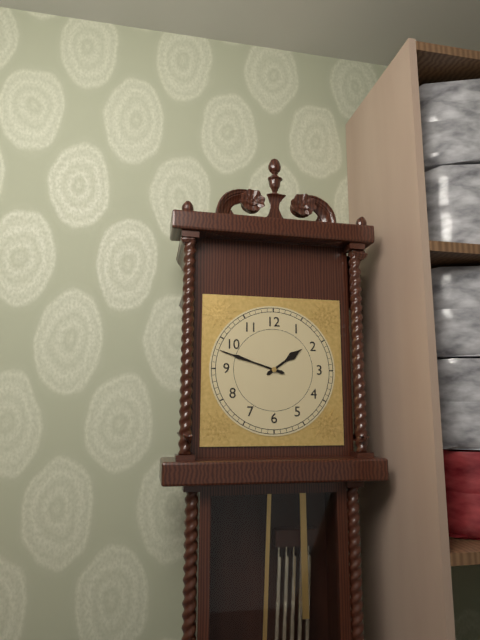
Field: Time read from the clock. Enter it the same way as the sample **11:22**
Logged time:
**1:48**
